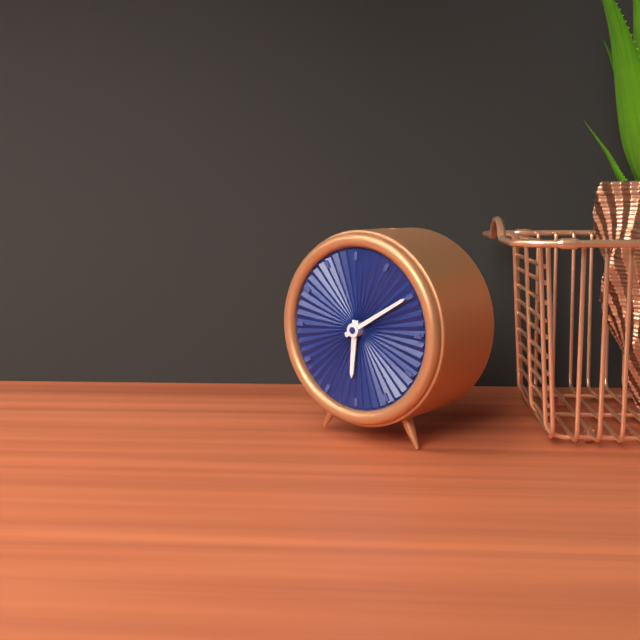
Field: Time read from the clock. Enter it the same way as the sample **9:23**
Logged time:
**6:10**
